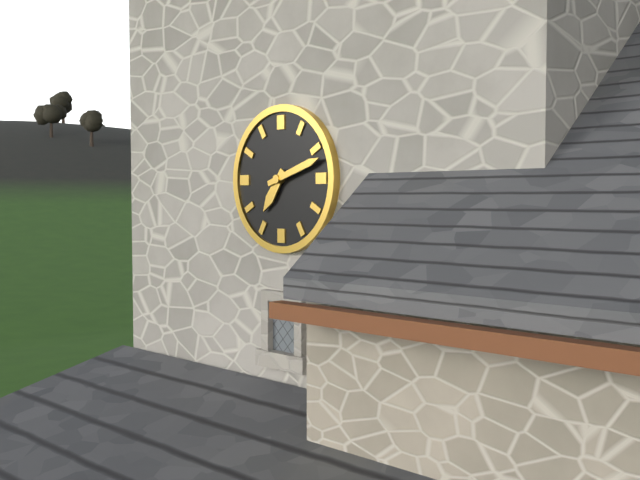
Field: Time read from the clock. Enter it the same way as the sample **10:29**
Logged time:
**7:12**
